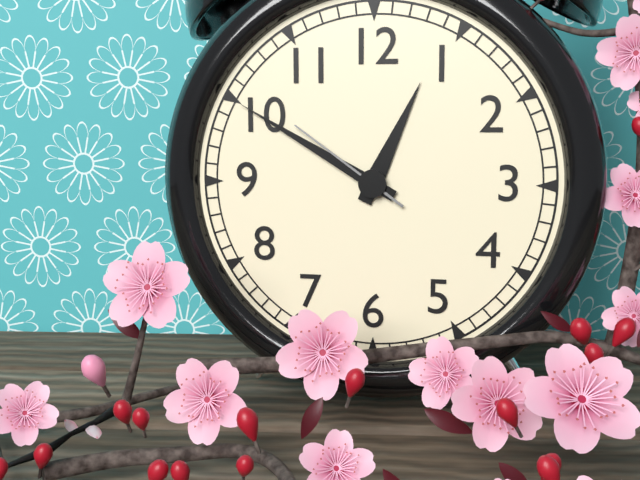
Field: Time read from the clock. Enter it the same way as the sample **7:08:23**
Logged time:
**12:50:51**
